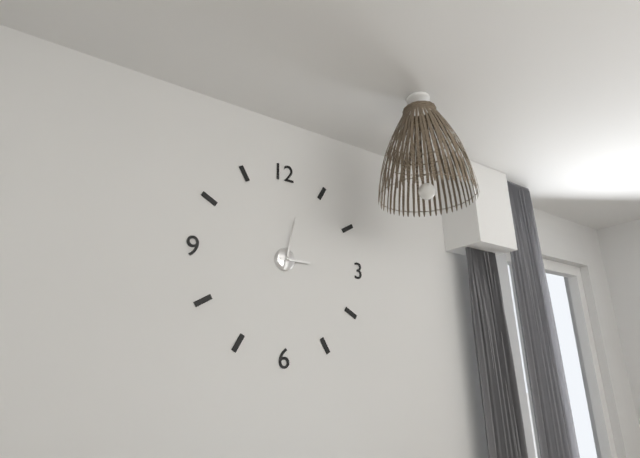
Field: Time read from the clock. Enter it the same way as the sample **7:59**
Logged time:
**3:02**
